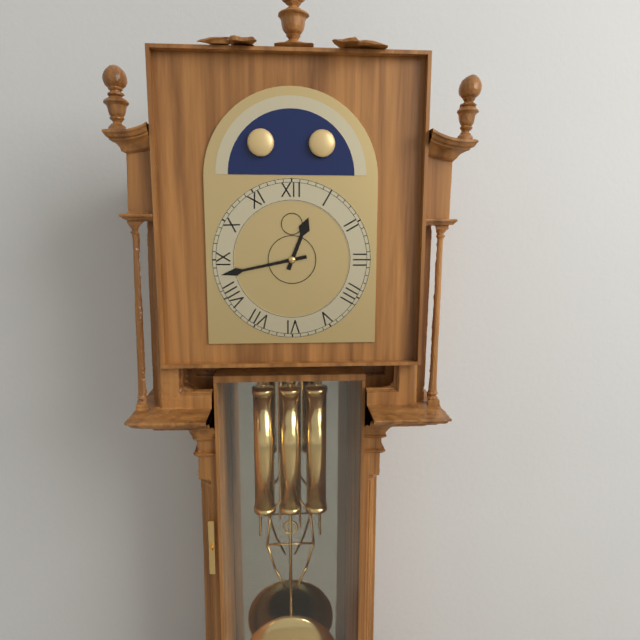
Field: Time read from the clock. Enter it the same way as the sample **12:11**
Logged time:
**12:43**
